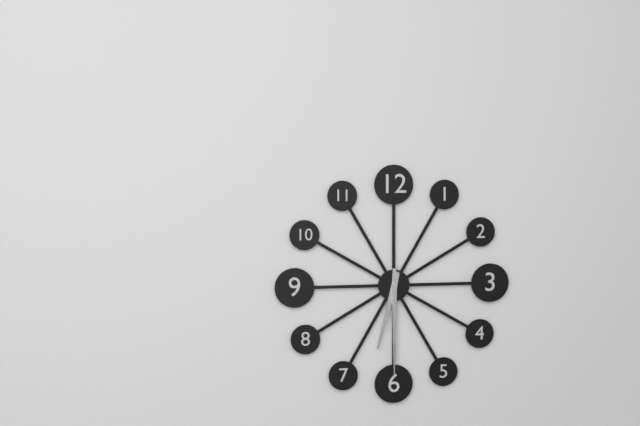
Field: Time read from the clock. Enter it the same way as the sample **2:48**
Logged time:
**6:30**
